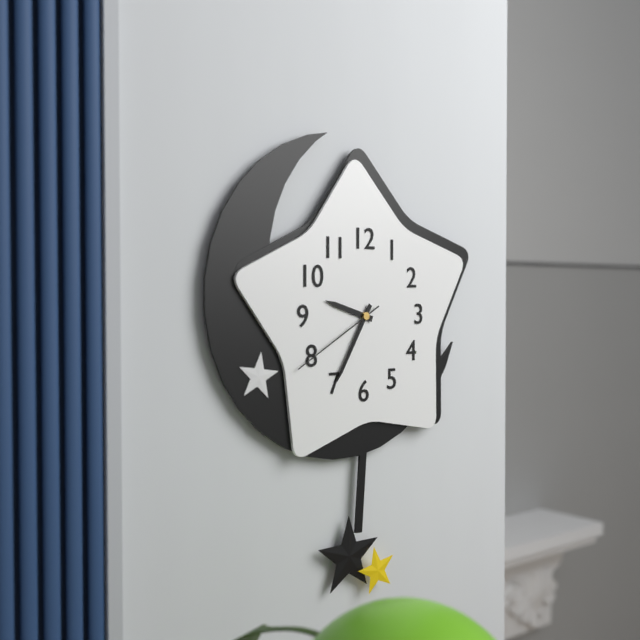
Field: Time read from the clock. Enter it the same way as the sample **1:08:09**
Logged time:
**9:35:40**
